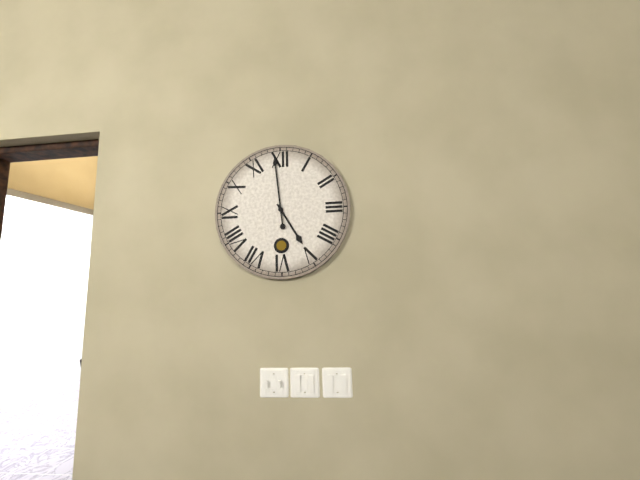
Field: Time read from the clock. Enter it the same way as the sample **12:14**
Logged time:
**4:59**
